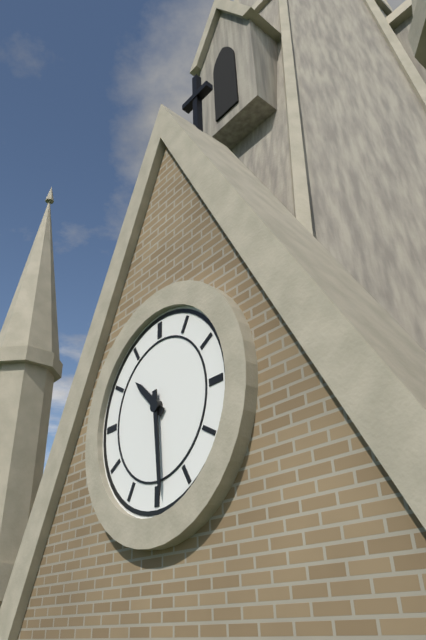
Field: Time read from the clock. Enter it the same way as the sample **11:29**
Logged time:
**10:29**
